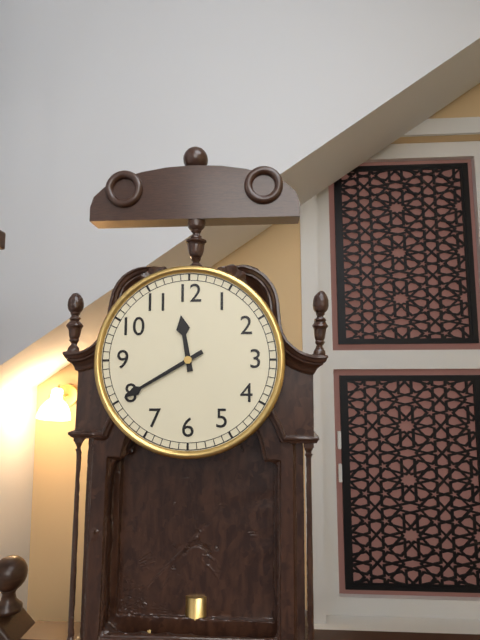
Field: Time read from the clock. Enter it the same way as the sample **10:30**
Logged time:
**11:40**
